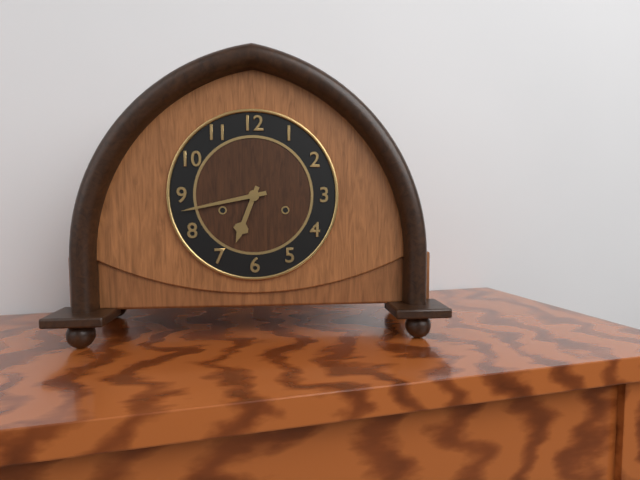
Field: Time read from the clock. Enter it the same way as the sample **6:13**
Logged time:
**6:43**
